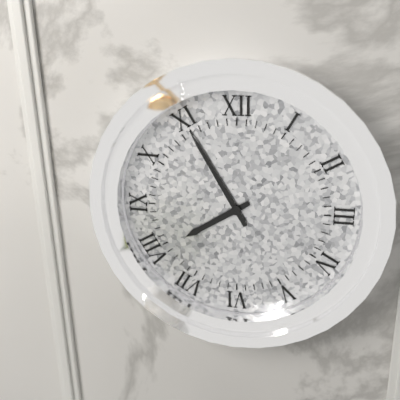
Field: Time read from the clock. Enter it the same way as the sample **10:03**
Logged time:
**7:55**
